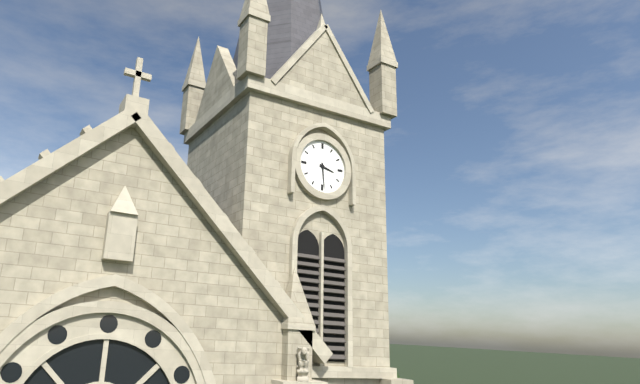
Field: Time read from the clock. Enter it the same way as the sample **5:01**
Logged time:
**3:29**
